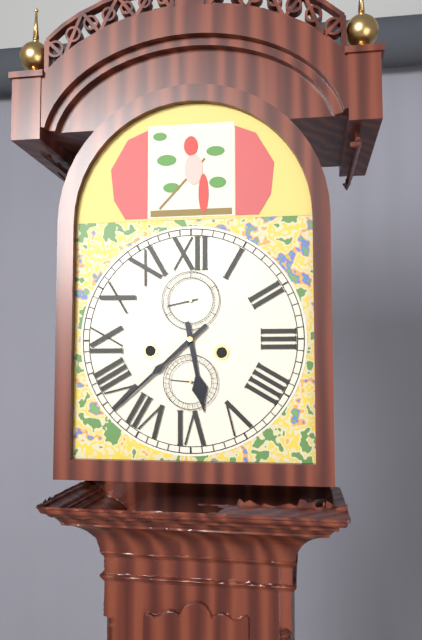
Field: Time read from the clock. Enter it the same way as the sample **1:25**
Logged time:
**5:38**
